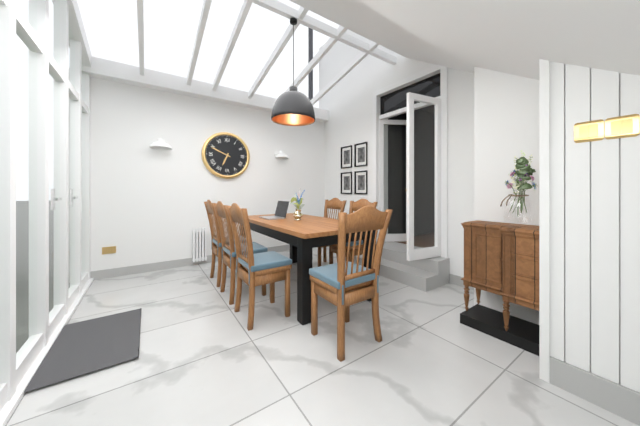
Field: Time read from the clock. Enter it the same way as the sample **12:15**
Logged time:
**6:49**
